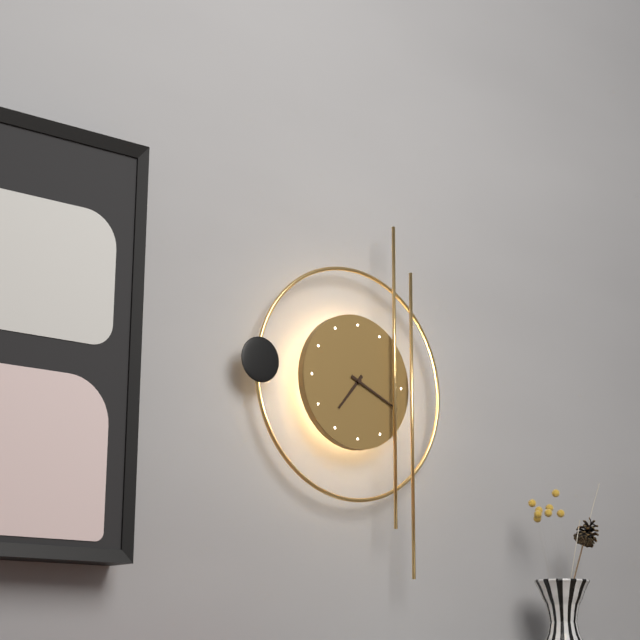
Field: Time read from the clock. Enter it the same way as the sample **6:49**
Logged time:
**7:19**
